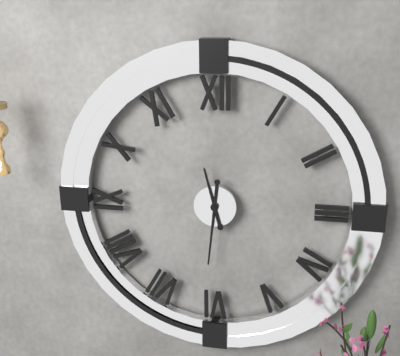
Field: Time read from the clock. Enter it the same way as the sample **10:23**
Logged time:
**11:31**
